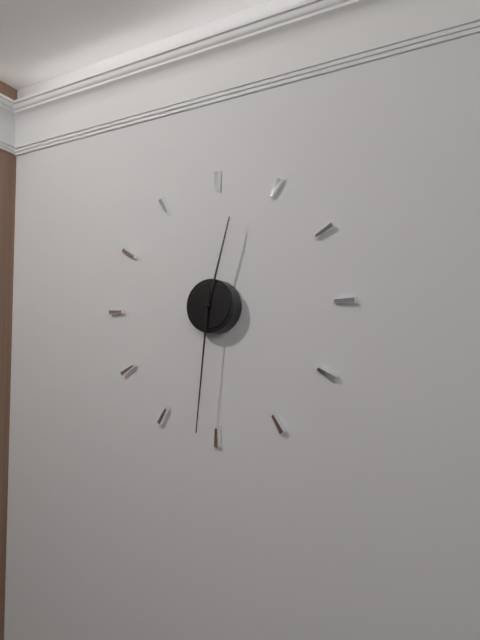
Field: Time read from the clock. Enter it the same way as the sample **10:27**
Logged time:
**12:31**
